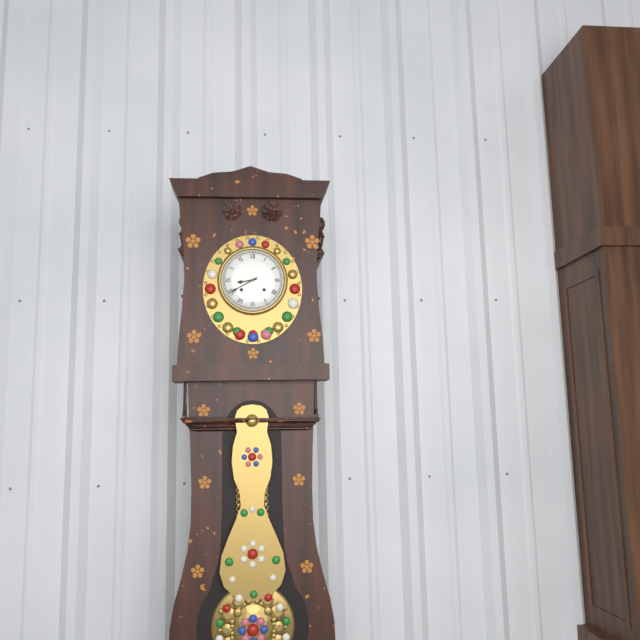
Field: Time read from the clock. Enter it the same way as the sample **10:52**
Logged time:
**8:40**
